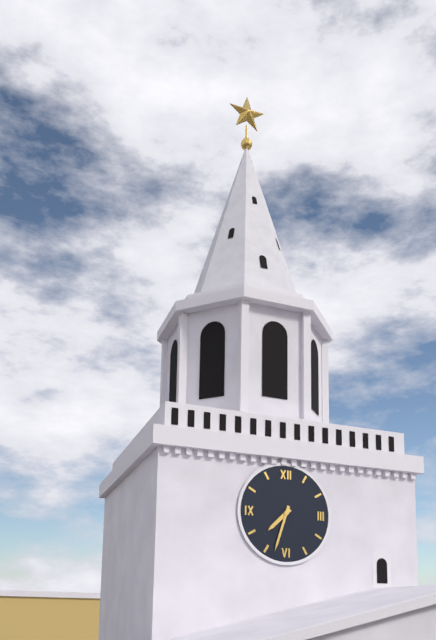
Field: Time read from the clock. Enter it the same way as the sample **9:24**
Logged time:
**7:33**
